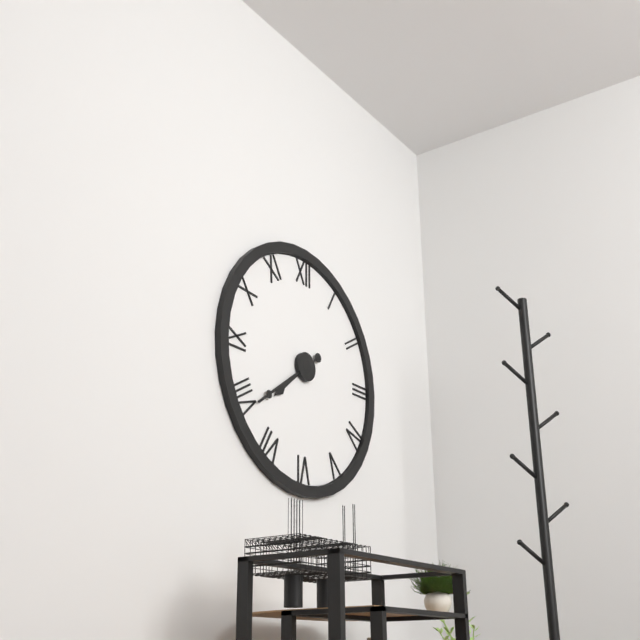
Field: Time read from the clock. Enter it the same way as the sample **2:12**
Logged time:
**7:39**
